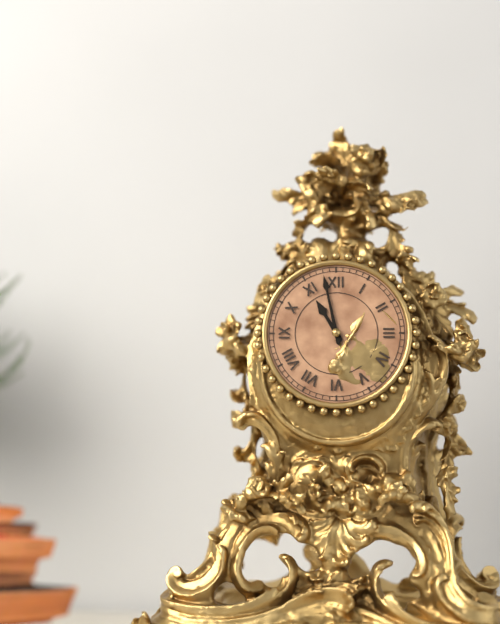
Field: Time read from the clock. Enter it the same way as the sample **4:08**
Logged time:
**10:58**
